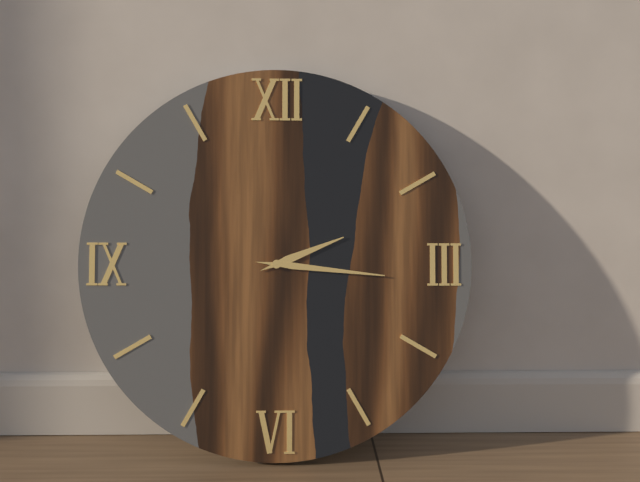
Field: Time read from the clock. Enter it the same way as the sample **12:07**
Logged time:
**2:16**
